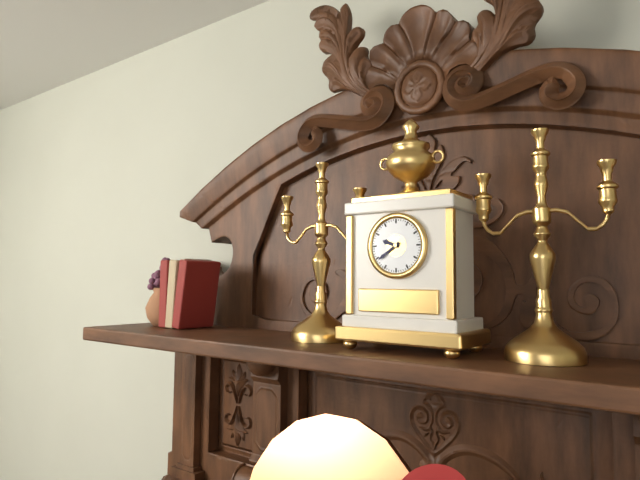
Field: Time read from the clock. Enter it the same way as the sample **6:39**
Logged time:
**9:39**
